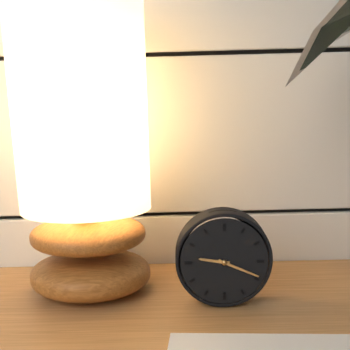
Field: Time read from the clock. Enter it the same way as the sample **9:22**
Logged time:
**9:19**
